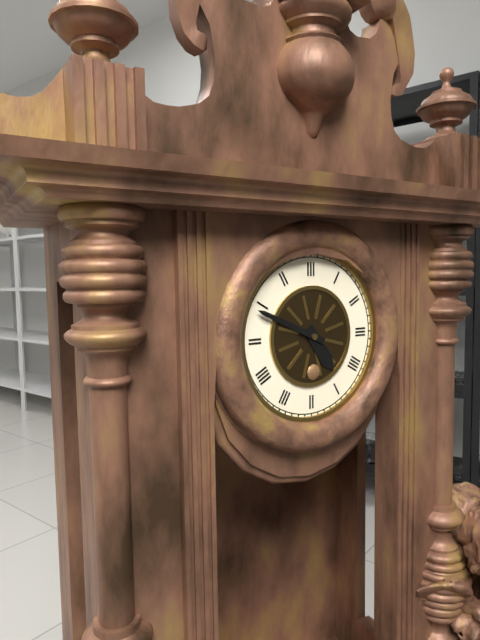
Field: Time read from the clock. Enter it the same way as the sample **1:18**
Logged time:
**4:49**
